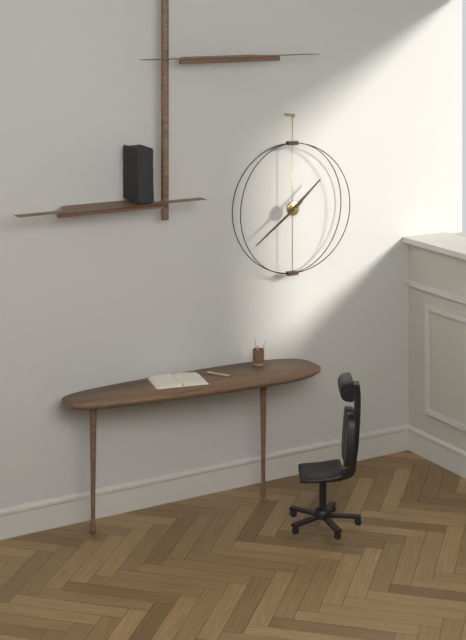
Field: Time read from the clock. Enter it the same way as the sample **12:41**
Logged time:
**1:39**
